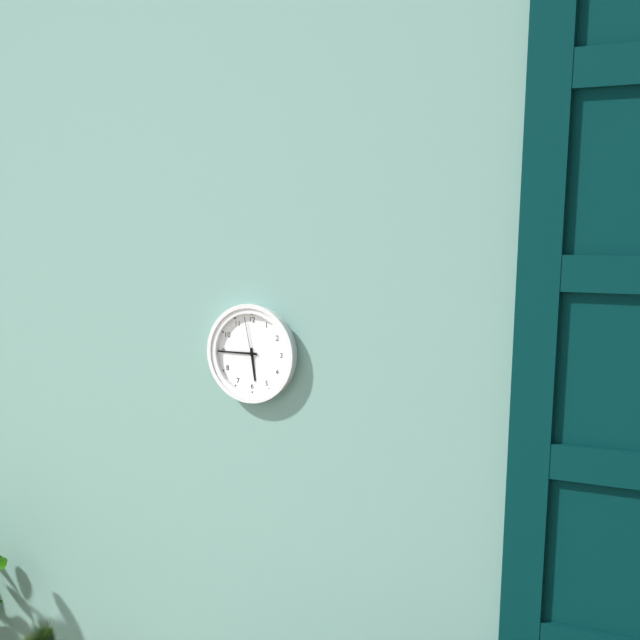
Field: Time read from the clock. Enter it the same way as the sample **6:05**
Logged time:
**5:45**
